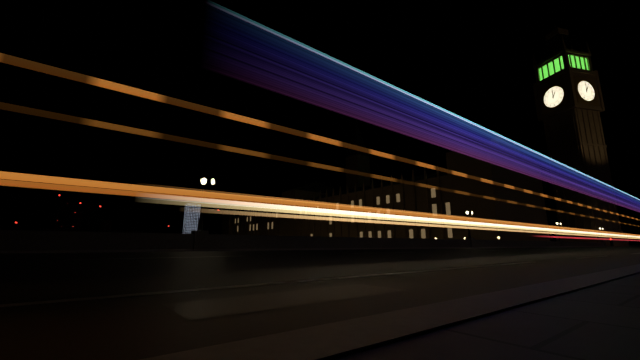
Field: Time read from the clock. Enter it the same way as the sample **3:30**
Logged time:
**1:00**
